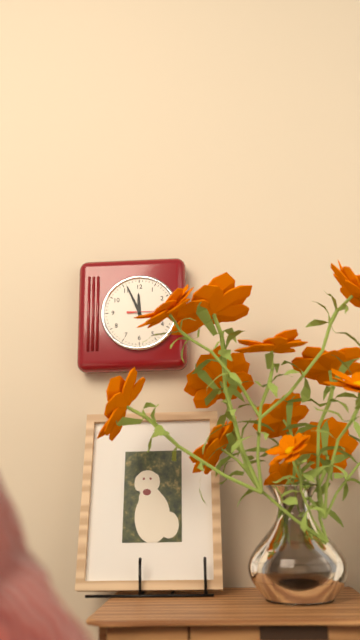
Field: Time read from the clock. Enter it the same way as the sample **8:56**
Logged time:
**11:56**
